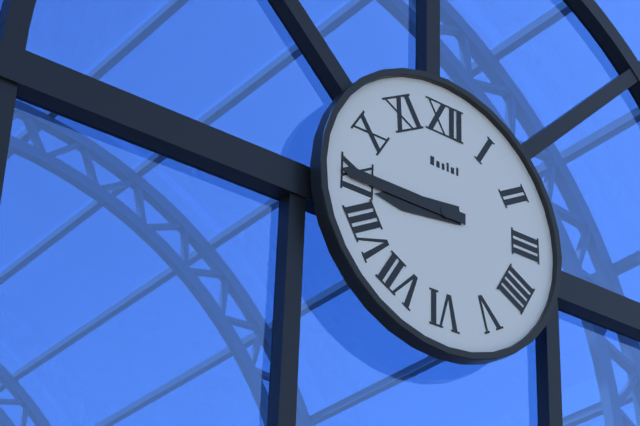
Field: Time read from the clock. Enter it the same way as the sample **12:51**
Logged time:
**8:45**
